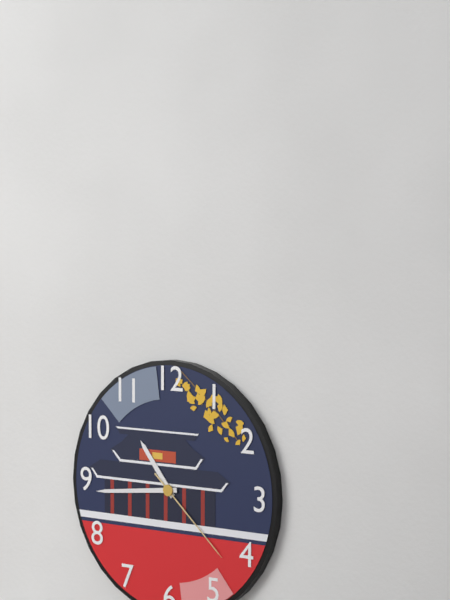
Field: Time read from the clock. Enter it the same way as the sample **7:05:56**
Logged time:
**10:44:22**
